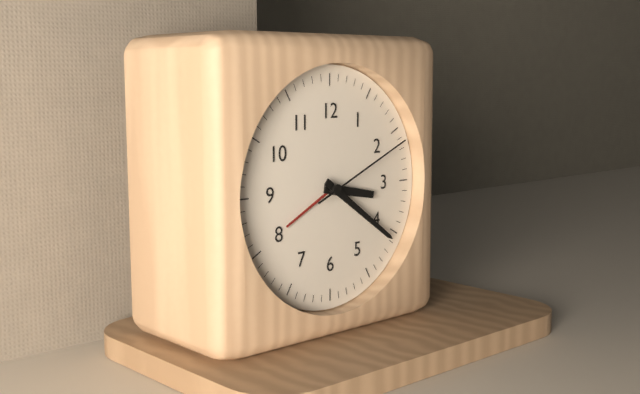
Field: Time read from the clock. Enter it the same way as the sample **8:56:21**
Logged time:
**3:21:11**
